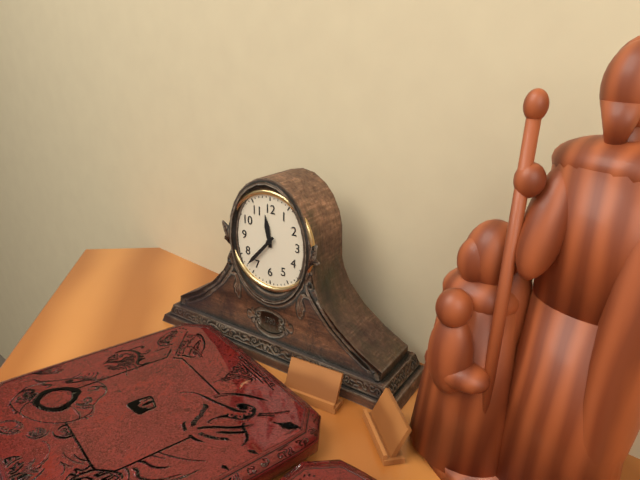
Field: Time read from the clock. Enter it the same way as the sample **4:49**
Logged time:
**11:37**
